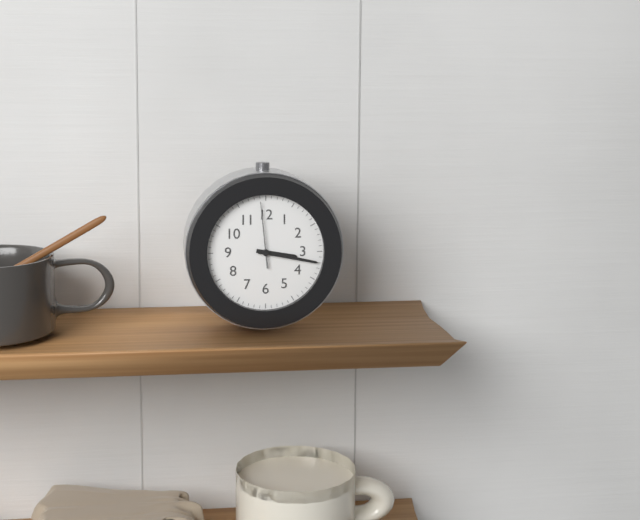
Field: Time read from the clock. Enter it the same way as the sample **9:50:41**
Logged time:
**3:17:59**
